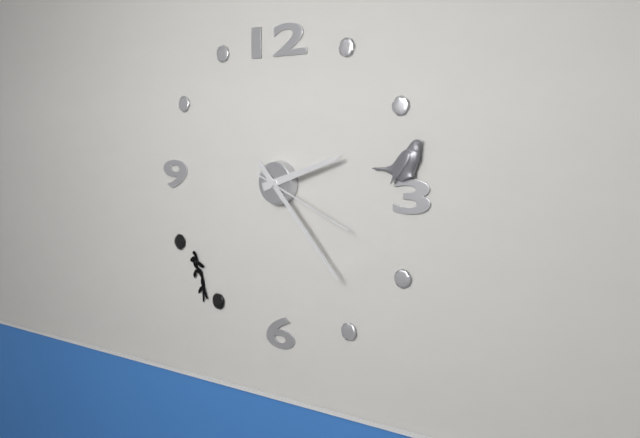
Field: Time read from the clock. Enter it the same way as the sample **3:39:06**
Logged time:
**2:23:19**
